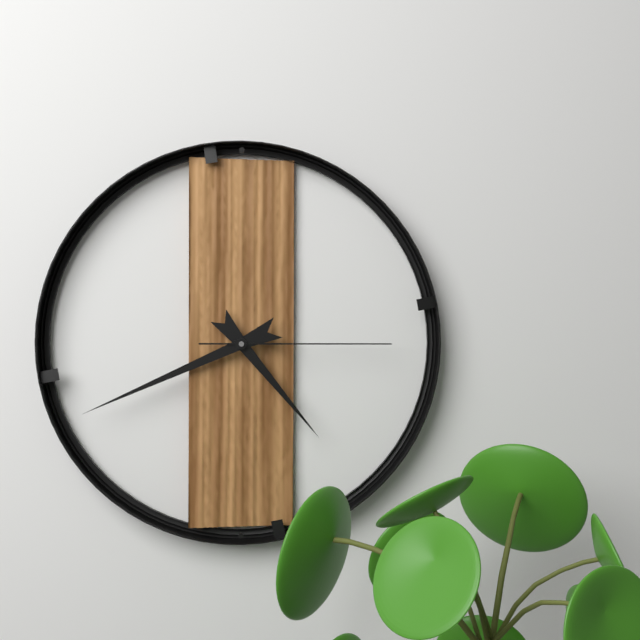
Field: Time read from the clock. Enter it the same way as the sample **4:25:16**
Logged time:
**4:41:15**
